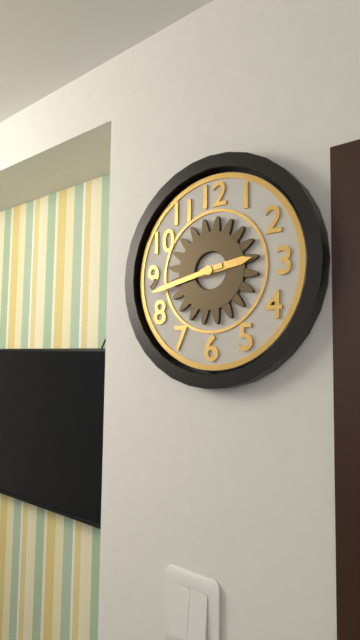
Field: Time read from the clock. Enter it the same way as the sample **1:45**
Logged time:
**2:43**
